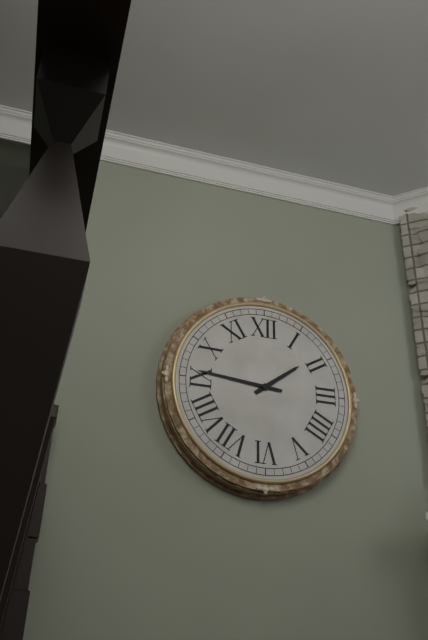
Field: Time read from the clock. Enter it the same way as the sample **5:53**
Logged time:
**1:46**
